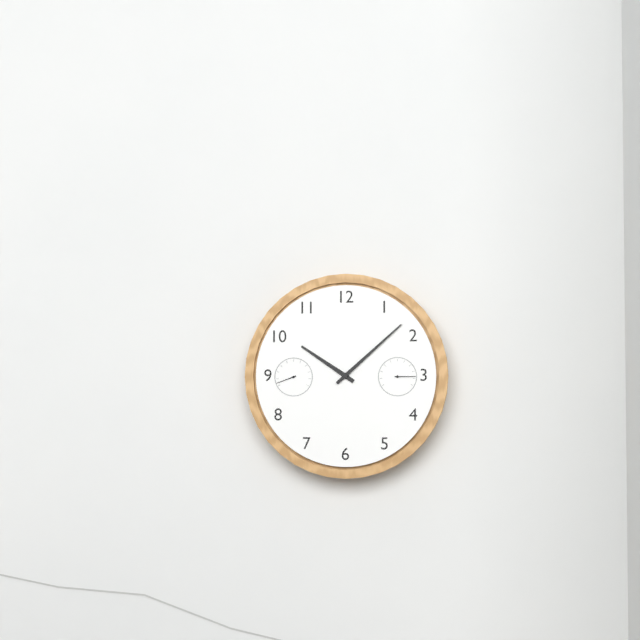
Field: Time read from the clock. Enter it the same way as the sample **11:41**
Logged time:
**10:08**
